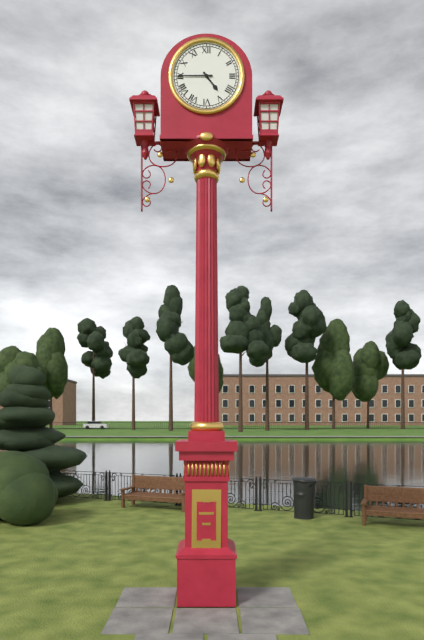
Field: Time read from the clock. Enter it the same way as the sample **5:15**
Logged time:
**4:45**
